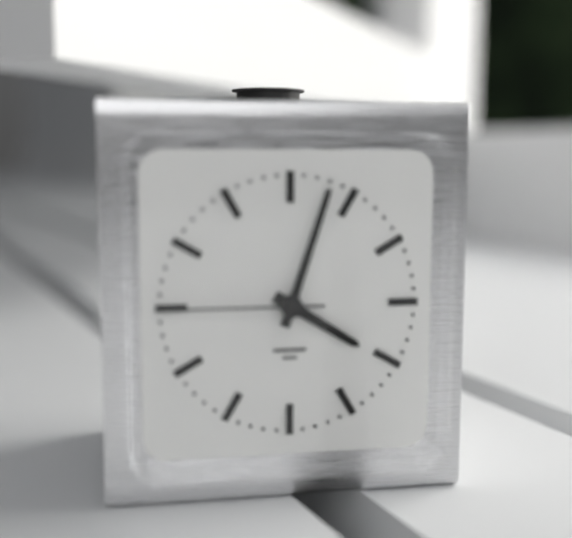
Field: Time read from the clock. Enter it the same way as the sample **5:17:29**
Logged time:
**4:03:45**
